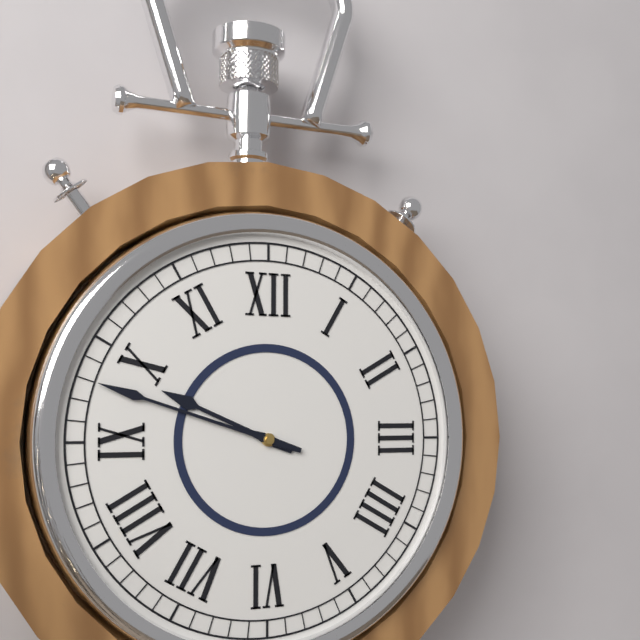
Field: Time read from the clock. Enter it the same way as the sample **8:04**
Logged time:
**9:48**
